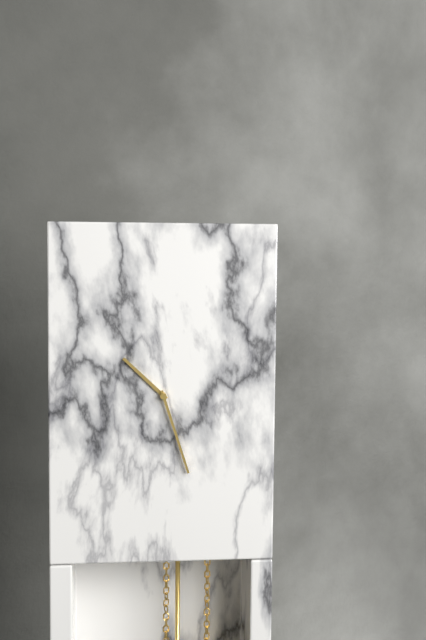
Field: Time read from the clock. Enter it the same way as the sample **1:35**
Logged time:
**10:27**
